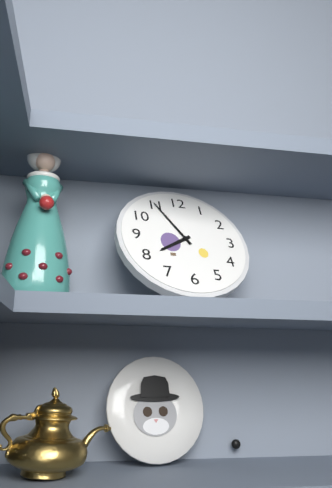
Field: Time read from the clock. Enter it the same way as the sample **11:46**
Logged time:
**7:55**
